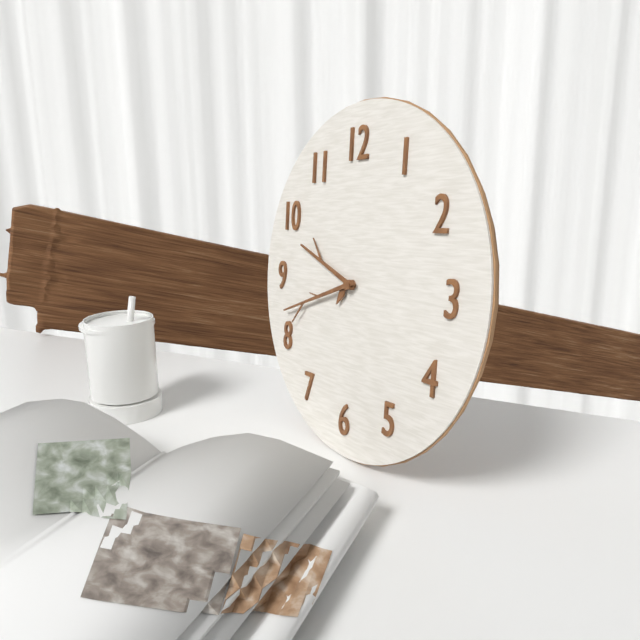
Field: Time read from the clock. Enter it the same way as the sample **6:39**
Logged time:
**9:42**
